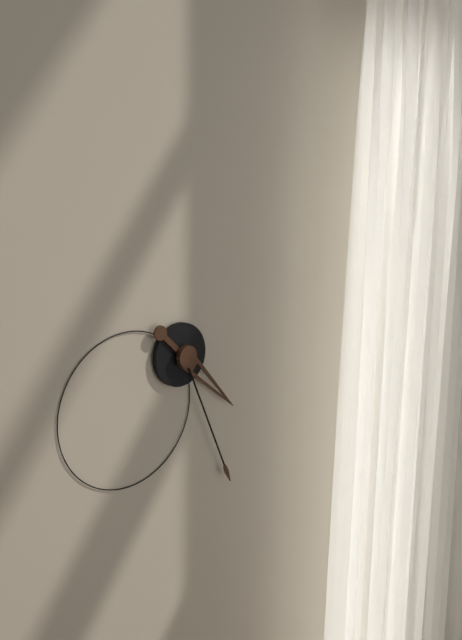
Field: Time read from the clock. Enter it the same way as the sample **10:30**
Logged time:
**4:26**
